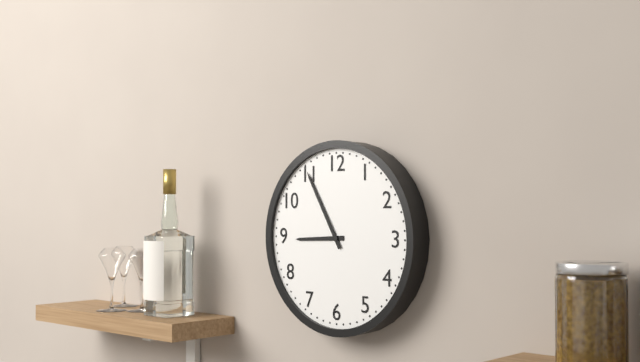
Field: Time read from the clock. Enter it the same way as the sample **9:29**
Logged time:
**8:55**
